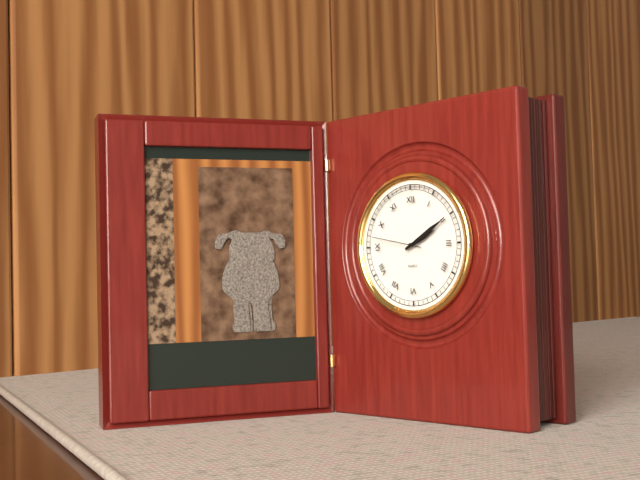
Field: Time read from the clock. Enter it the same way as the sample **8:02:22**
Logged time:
**2:10:47**
